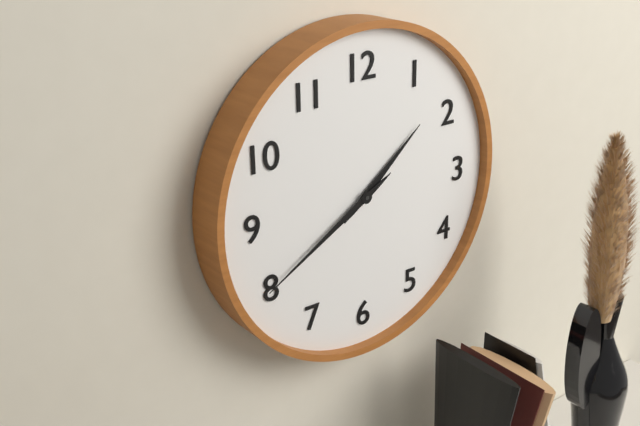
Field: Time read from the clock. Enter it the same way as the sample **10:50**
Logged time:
**1:40**
